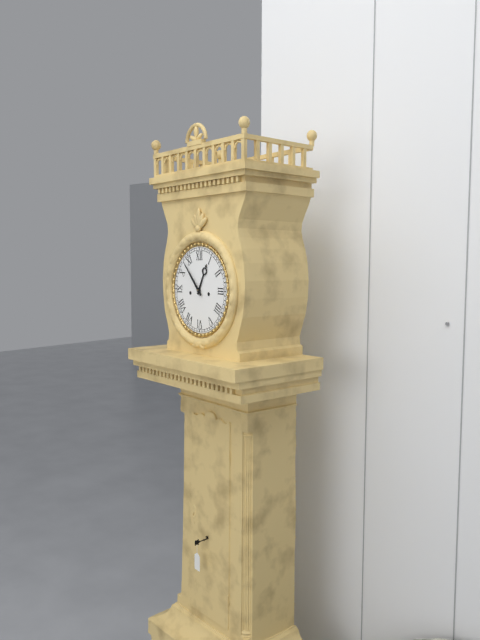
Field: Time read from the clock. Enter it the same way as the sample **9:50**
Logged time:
**12:53**
